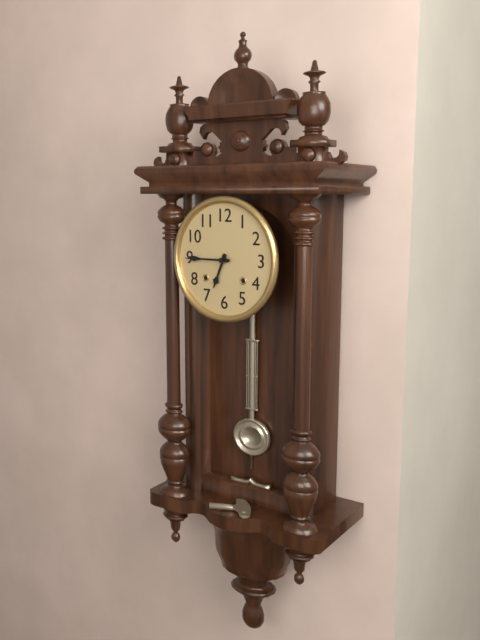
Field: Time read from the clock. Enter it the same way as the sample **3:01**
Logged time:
**6:45**
